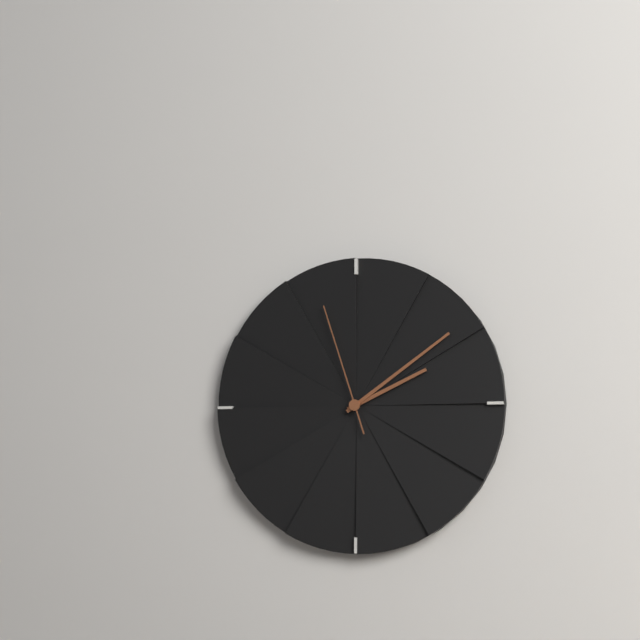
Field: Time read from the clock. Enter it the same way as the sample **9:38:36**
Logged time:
**2:09:57**
